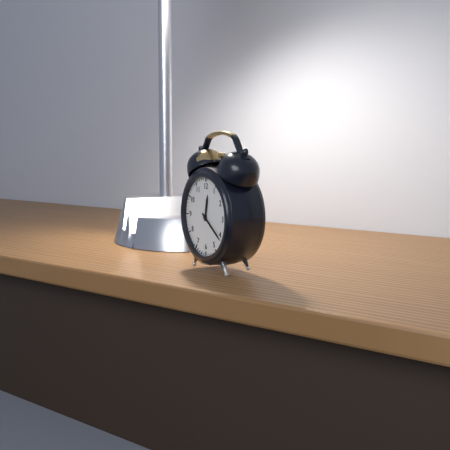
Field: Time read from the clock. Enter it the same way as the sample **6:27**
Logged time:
**12:21**
